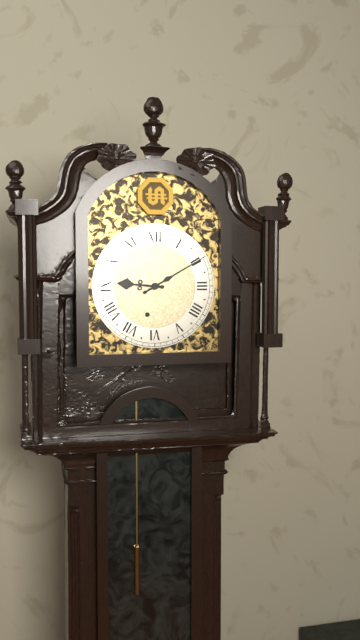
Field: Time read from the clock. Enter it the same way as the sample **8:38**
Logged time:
**9:10**
